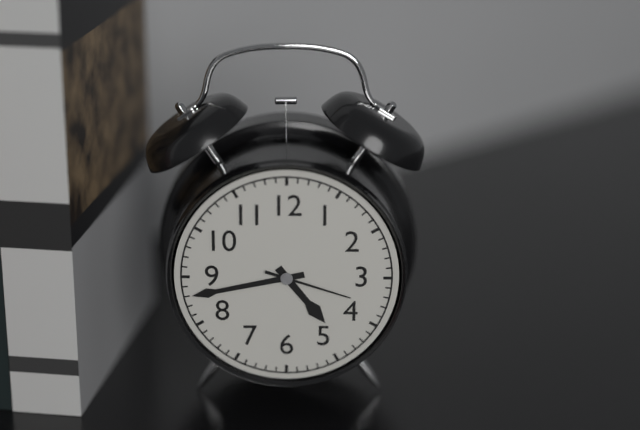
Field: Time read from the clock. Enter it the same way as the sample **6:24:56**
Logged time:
**4:43:18**
